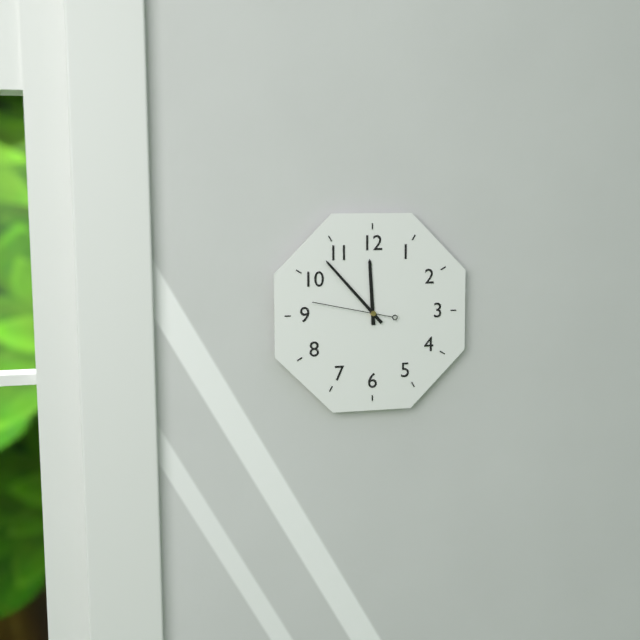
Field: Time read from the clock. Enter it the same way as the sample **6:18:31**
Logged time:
**11:53:47**
